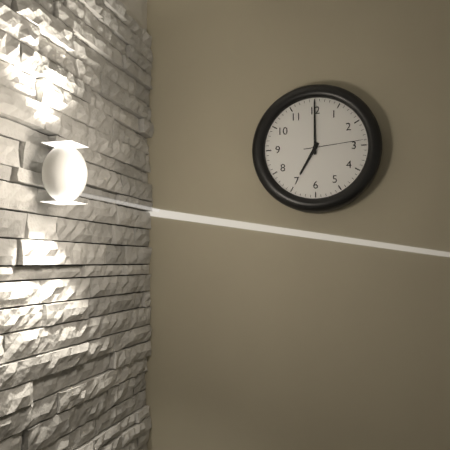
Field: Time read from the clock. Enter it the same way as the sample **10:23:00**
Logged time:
**7:00:14**
